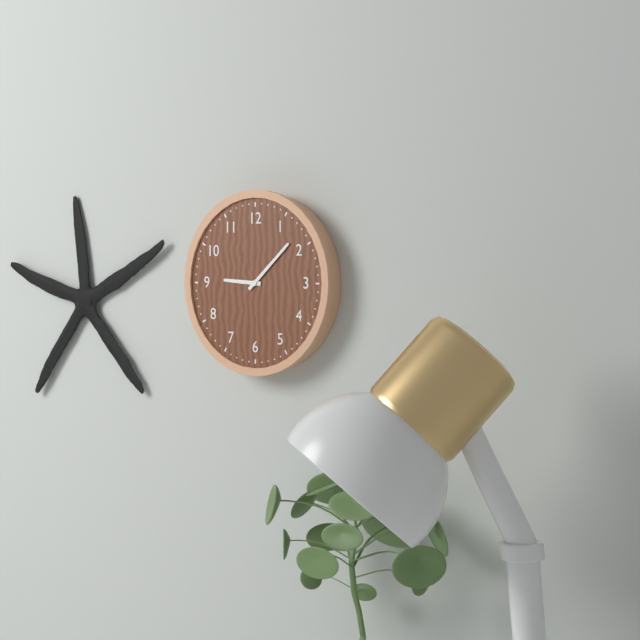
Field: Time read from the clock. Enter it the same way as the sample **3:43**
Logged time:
**9:08**
